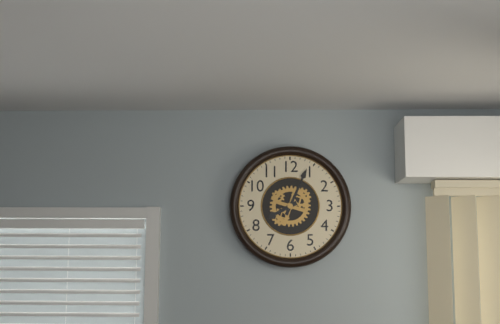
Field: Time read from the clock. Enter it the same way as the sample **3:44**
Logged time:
**8:04**
